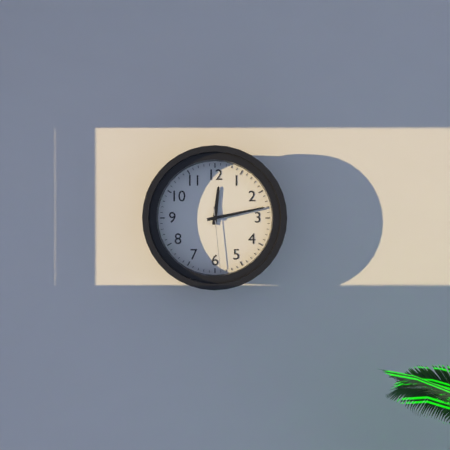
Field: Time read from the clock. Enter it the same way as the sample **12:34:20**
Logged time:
**12:13:29**
